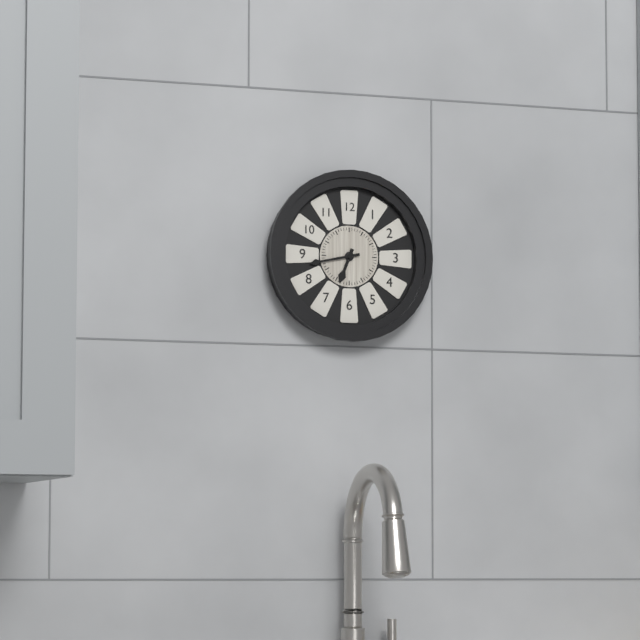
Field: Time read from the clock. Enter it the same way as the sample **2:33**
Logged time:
**6:43**
